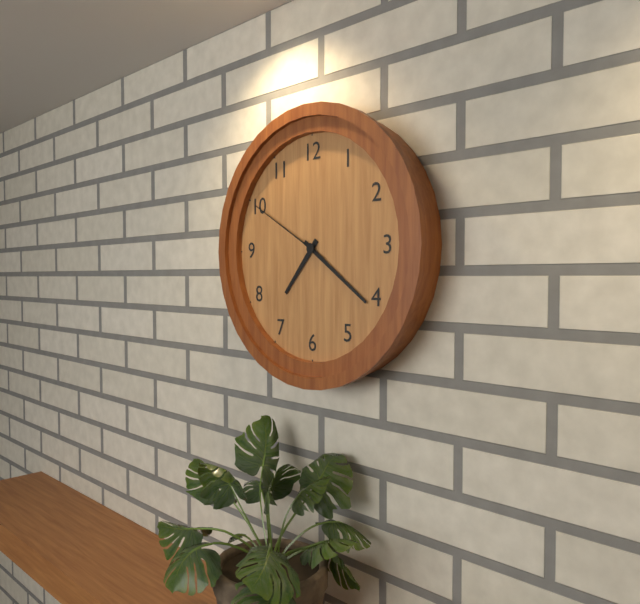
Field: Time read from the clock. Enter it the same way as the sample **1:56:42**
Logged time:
**7:21:50**
